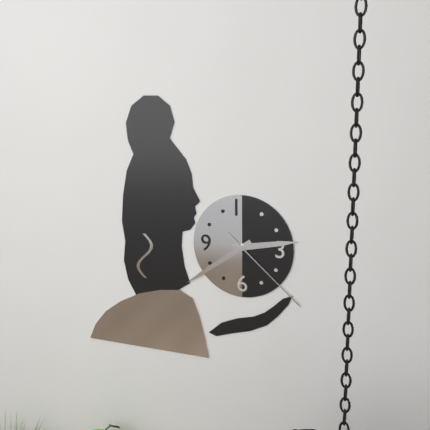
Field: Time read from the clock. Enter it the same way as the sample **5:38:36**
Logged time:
**2:39:22**
